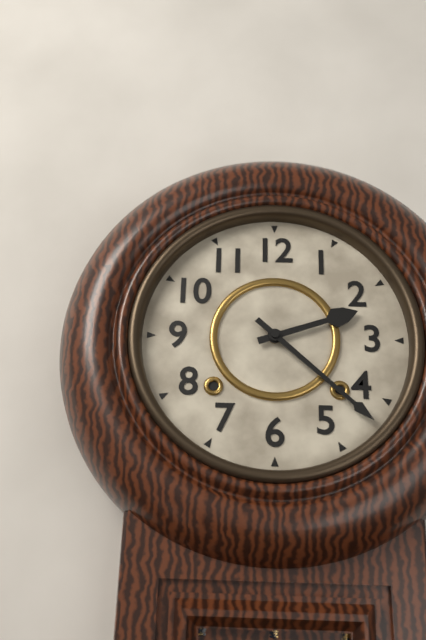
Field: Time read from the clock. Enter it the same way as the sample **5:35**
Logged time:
**2:22**
